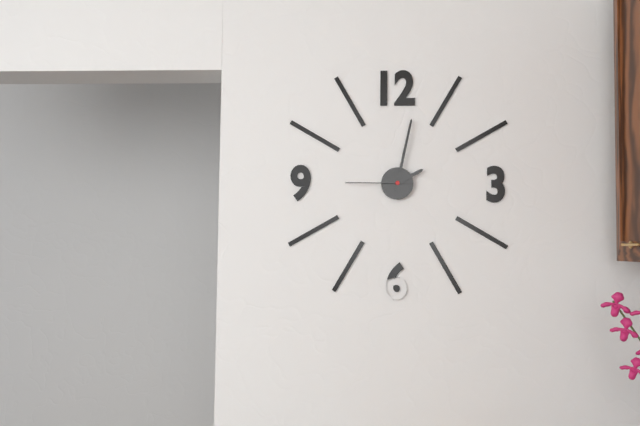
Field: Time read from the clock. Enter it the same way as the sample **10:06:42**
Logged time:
**2:02:45**
